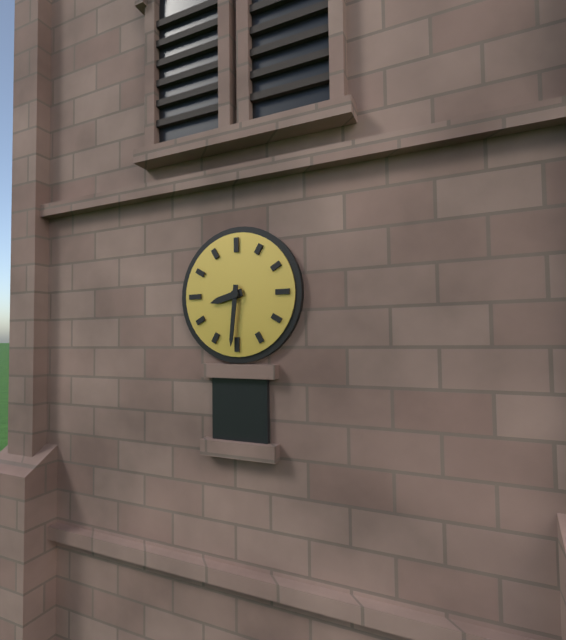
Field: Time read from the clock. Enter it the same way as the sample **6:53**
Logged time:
**8:31**
